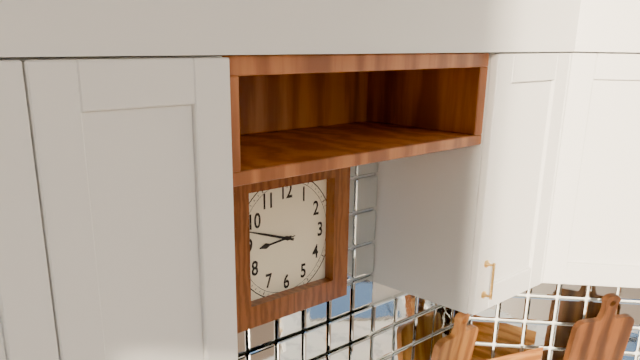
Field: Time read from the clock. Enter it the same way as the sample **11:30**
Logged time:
**8:48**
